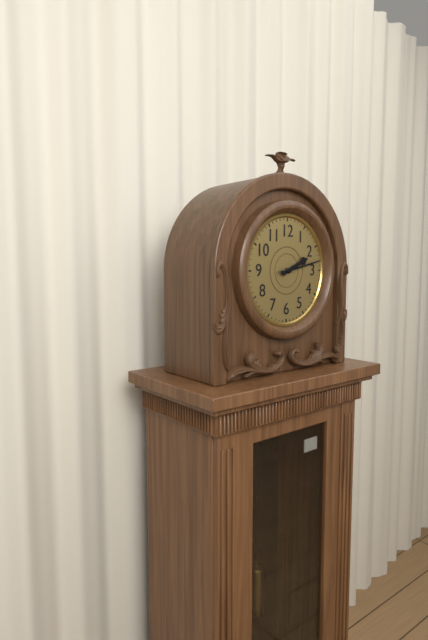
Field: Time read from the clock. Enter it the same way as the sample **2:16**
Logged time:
**2:13**
